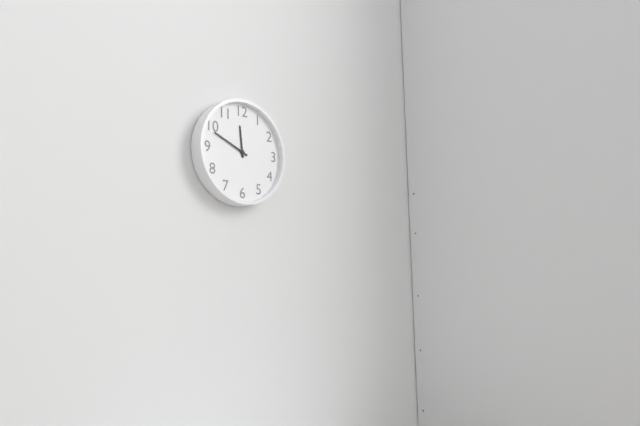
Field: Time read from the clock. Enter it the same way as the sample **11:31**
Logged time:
**11:49**
